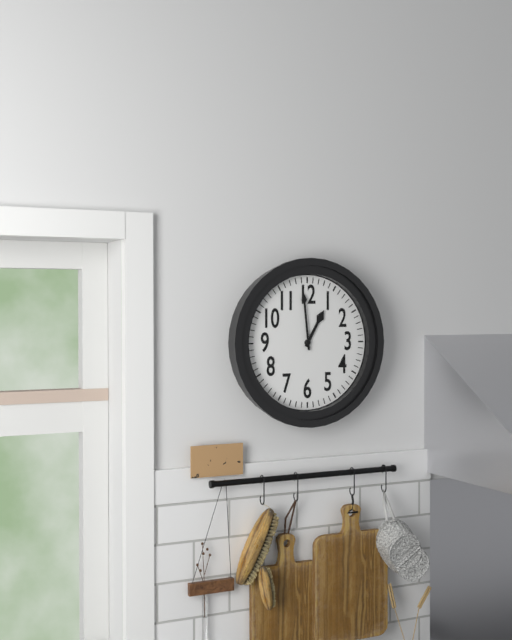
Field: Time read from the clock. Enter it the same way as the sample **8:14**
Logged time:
**12:59**
